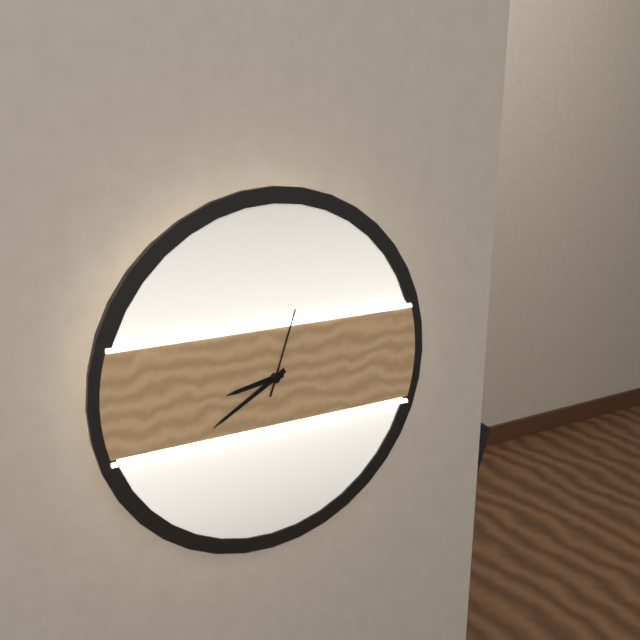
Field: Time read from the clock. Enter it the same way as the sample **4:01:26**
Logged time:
**8:40:03**
